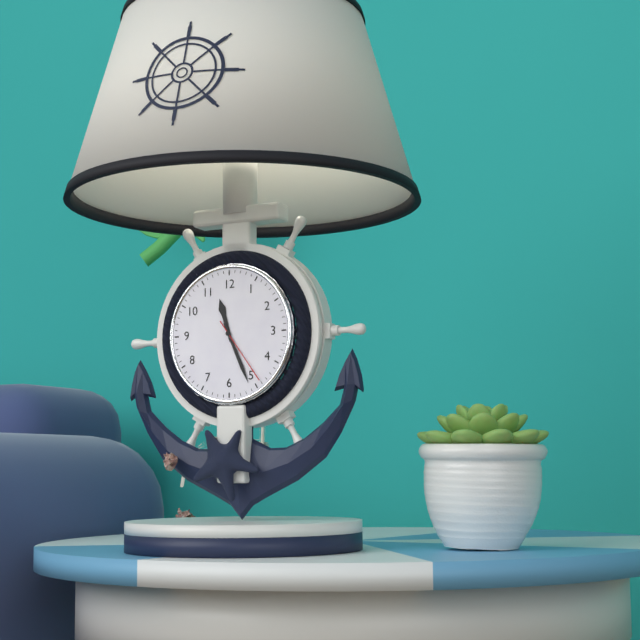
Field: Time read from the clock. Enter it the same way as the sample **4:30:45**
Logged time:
**11:26:24**
